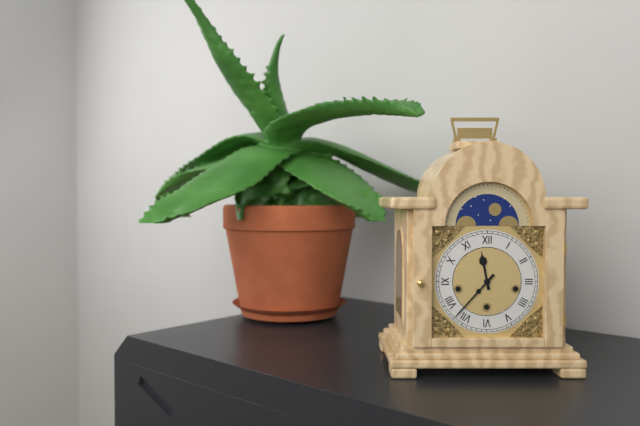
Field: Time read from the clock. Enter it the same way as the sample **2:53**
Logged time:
**11:37**
